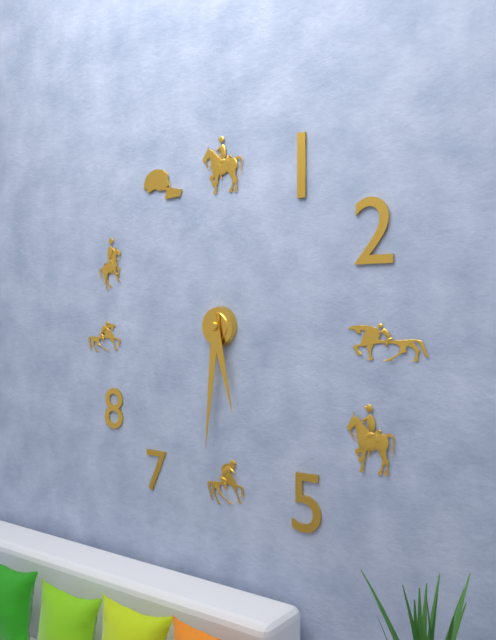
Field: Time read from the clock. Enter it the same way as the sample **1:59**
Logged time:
**5:31**
